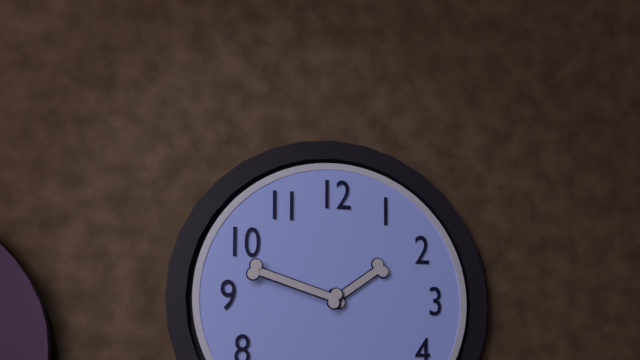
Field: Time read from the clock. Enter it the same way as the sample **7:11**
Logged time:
**1:48**
